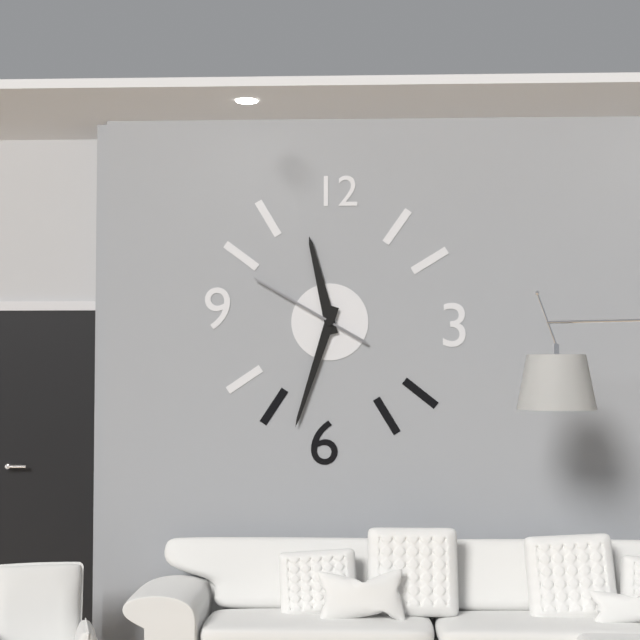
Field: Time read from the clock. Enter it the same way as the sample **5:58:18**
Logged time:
**11:33:50**
